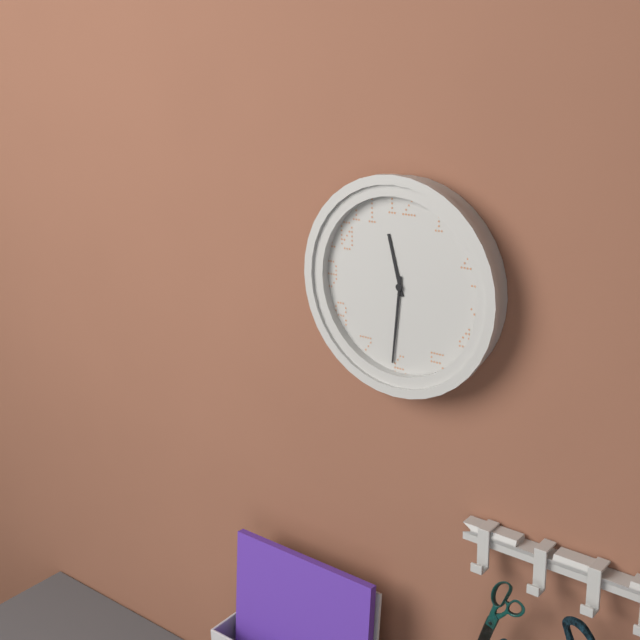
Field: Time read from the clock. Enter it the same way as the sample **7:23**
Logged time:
**11:31**
